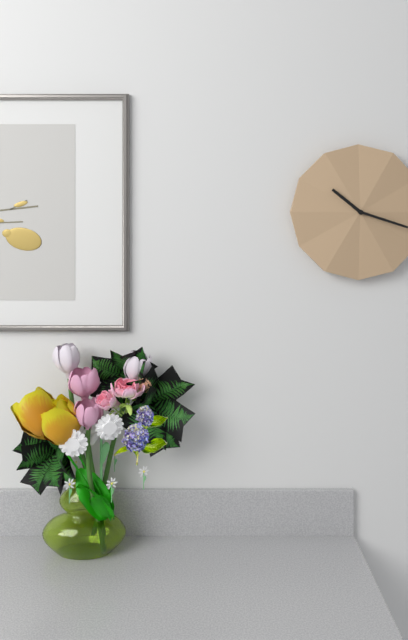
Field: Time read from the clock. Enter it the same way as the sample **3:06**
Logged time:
**10:18**
